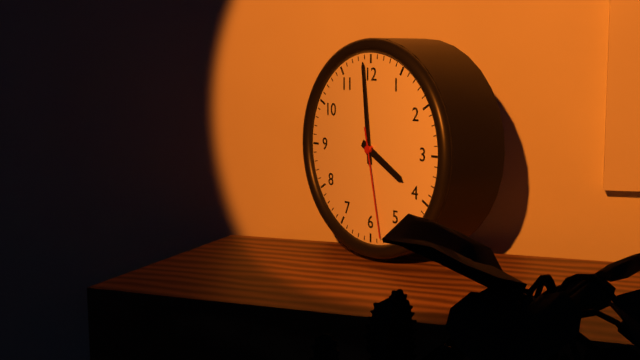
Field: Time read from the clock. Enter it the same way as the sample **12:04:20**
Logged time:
**3:59:28**
